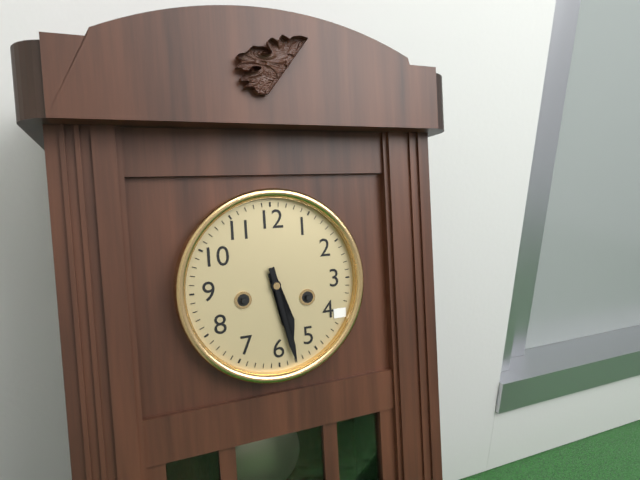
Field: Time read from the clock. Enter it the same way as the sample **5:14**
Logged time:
**5:28**
